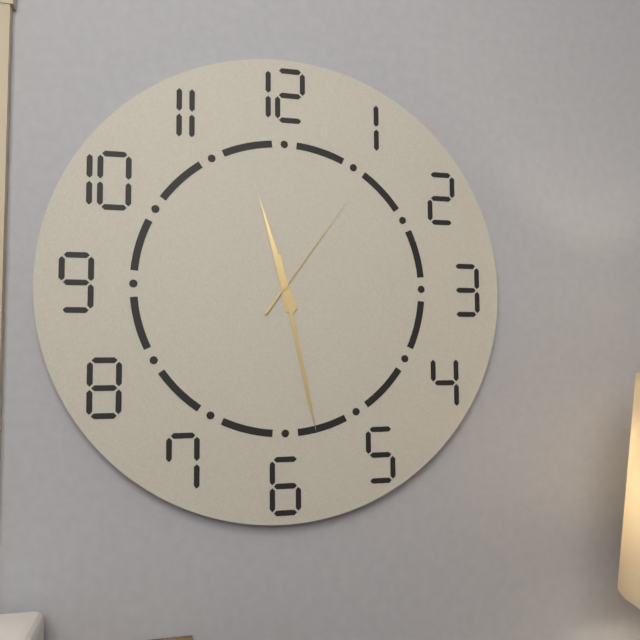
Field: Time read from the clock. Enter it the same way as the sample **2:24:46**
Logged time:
**11:28:06**
